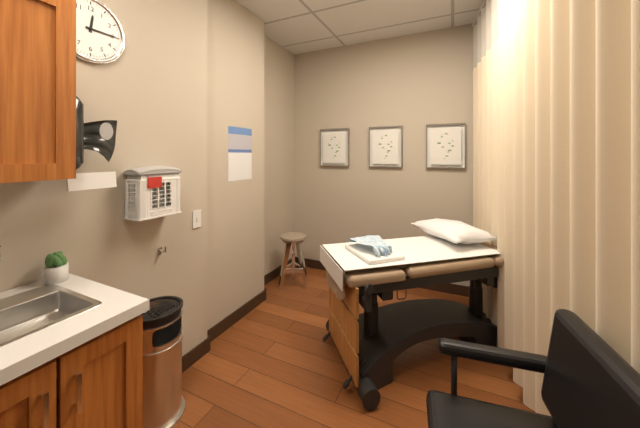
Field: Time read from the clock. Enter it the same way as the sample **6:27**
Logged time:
**12:15**
